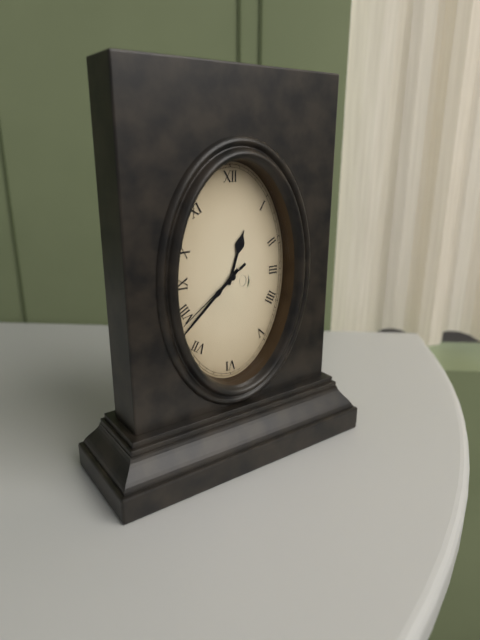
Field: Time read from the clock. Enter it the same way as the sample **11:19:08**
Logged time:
**12:38:39**
